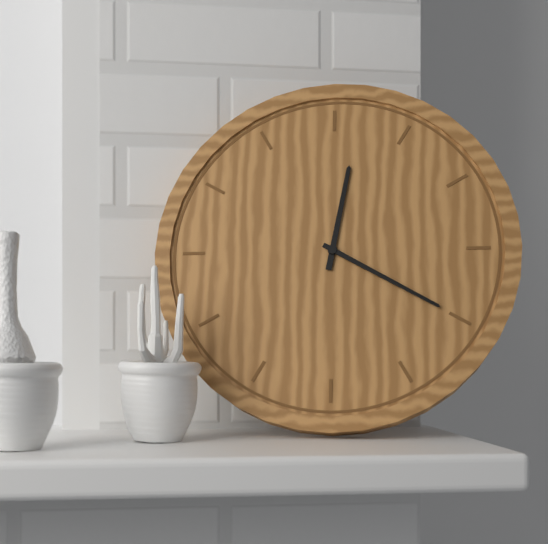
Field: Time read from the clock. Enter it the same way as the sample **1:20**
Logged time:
**12:20**
